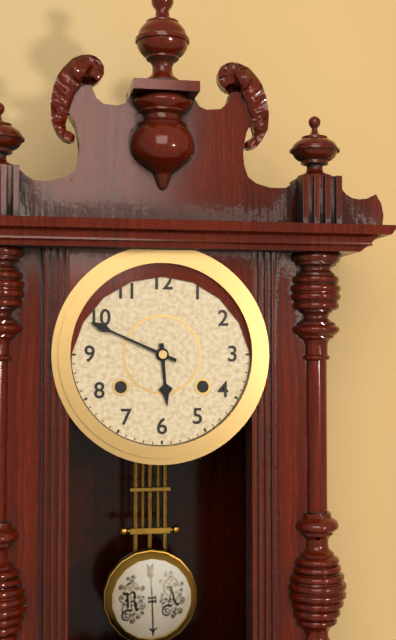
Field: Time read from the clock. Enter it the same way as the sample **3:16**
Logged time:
**5:49**
